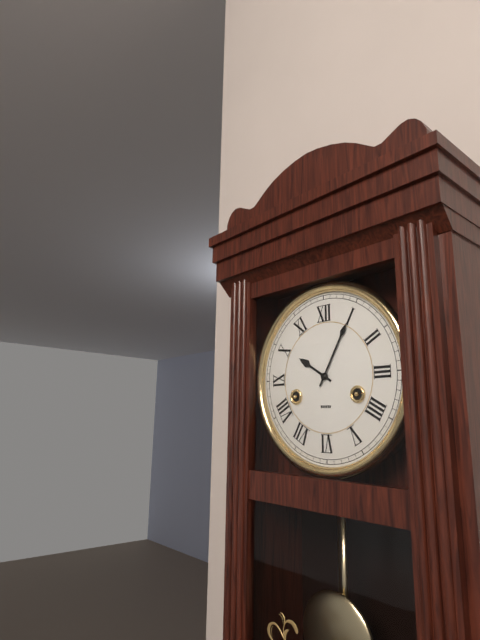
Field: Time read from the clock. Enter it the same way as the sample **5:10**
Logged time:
**10:05**
